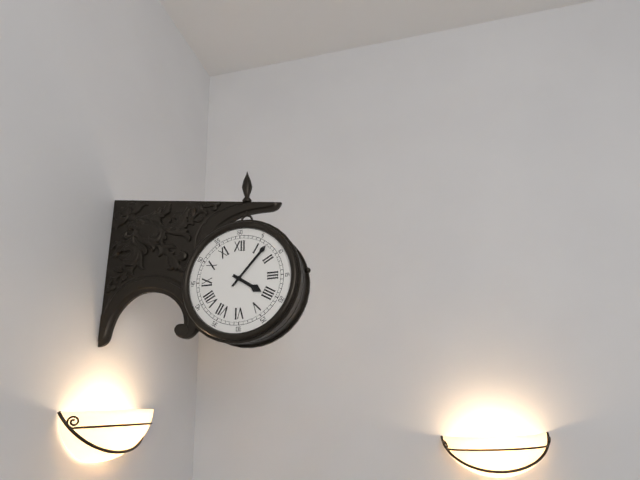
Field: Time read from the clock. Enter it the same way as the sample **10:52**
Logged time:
**4:07**
